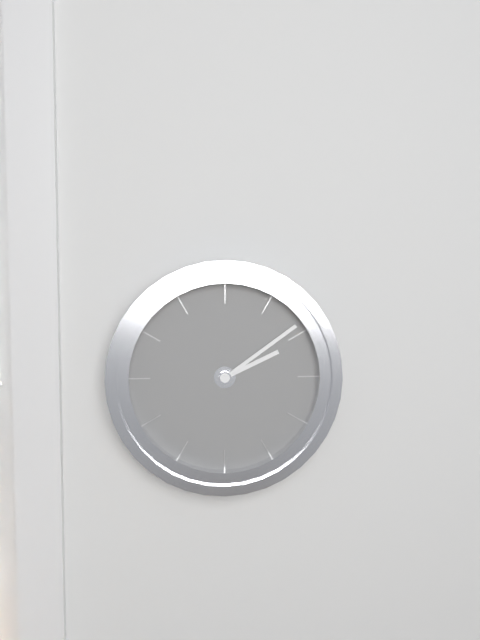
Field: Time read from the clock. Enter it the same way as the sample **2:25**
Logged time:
**2:09**
